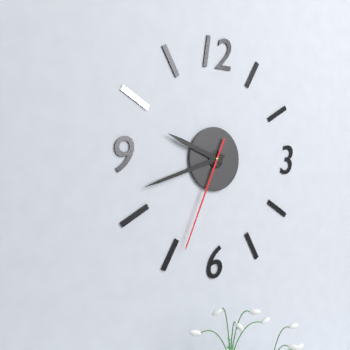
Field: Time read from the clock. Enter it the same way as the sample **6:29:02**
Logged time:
**9:42:34**
